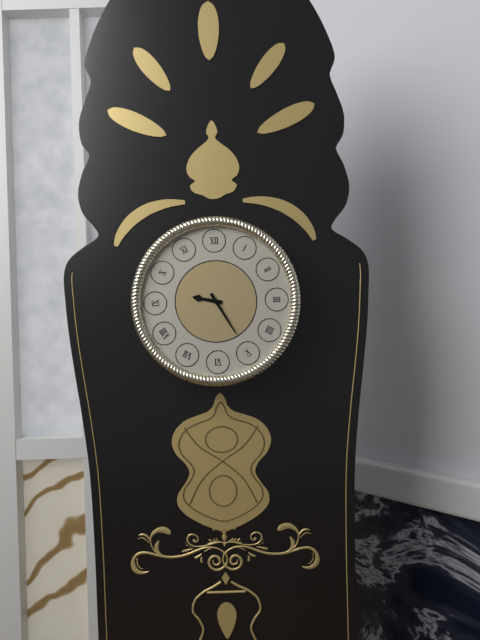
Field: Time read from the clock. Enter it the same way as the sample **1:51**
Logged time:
**9:25**
